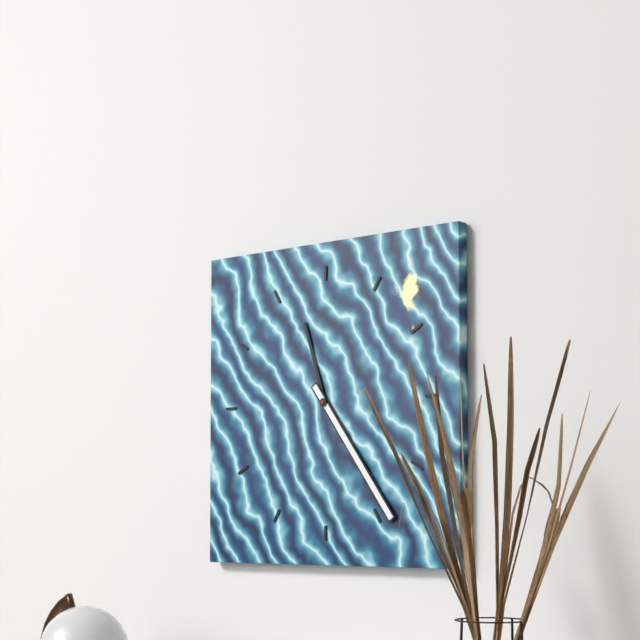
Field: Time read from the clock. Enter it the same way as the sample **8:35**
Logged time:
**11:24**
